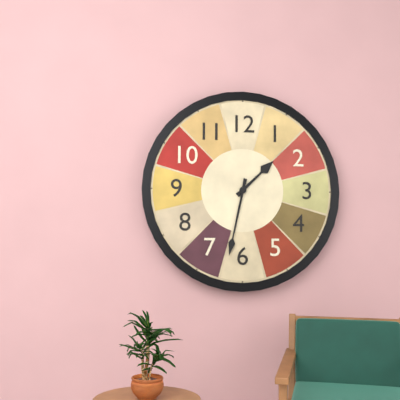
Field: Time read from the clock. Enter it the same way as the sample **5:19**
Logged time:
**1:32**
